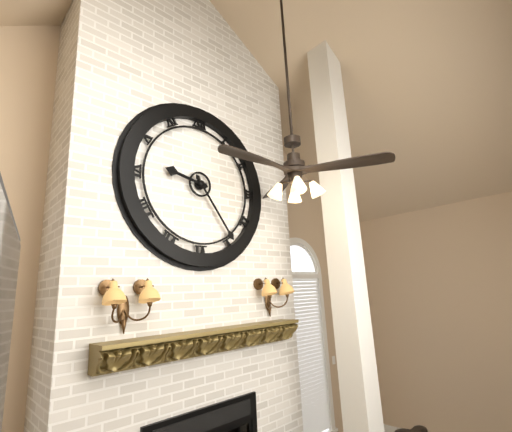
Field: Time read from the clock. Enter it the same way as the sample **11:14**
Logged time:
**9:24**
